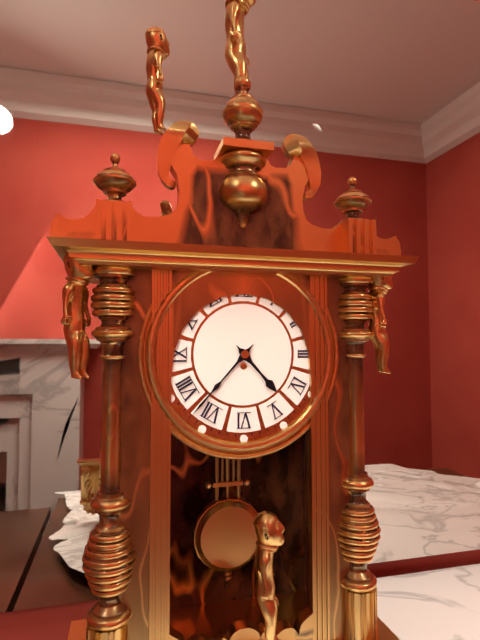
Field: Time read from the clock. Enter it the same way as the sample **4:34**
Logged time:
**4:37**
